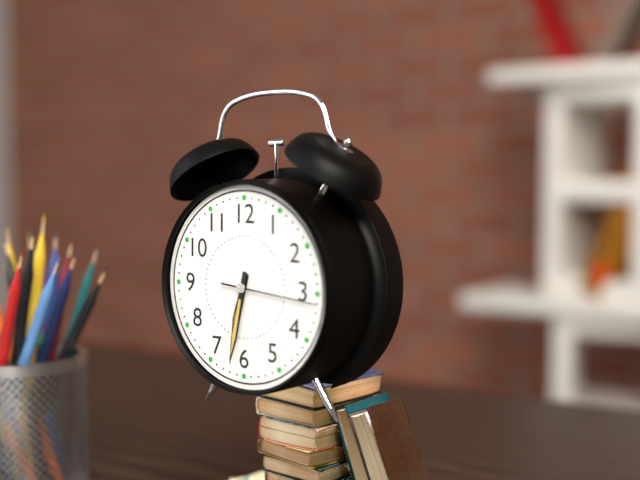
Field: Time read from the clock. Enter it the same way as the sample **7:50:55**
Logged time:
**6:32:16**
